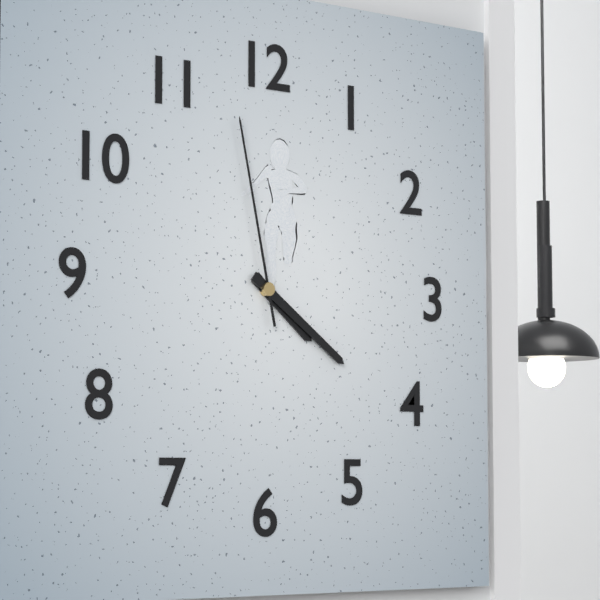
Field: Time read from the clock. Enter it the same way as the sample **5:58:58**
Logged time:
**4:21:58**
